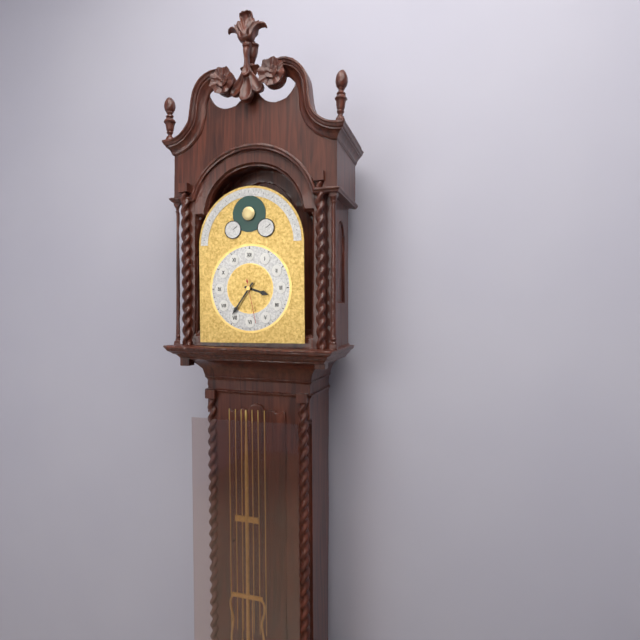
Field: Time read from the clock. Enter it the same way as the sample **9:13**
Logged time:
**3:36**
